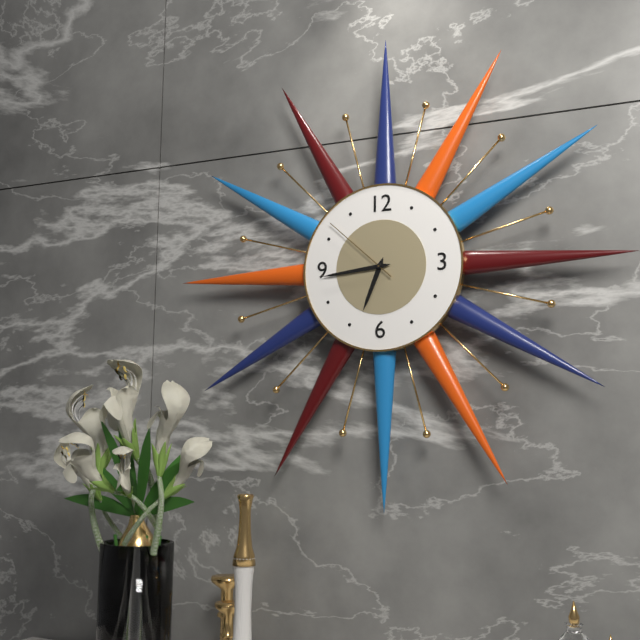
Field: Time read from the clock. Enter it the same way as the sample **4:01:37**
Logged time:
**6:44:52**
